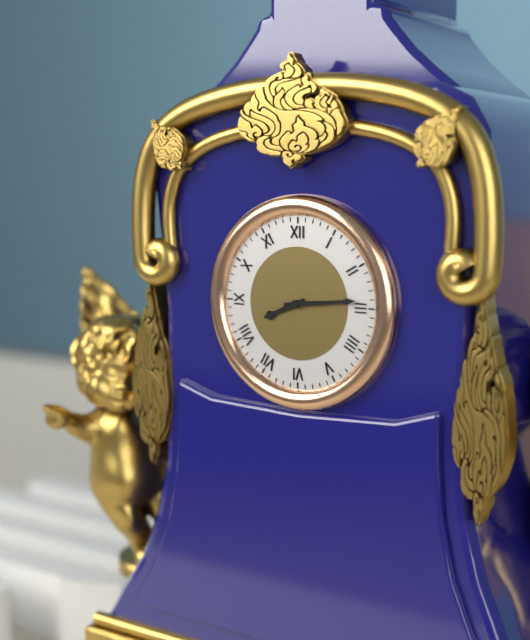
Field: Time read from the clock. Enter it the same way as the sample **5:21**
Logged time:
**8:14**
